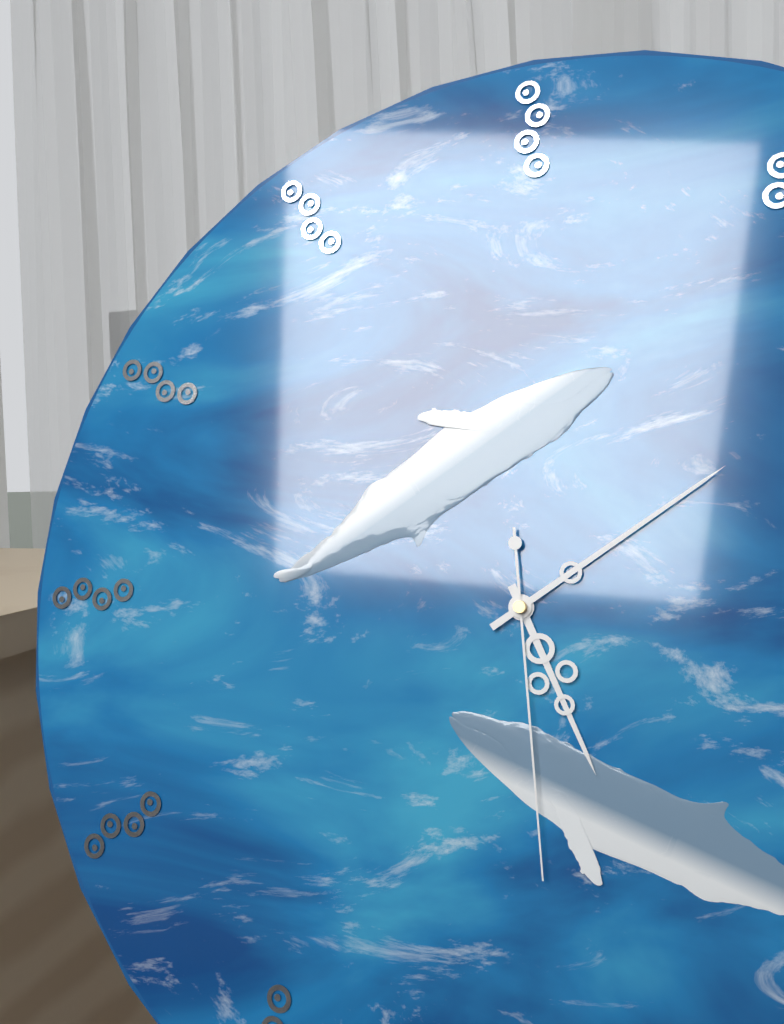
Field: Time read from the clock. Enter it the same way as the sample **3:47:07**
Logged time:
**5:09:29**
